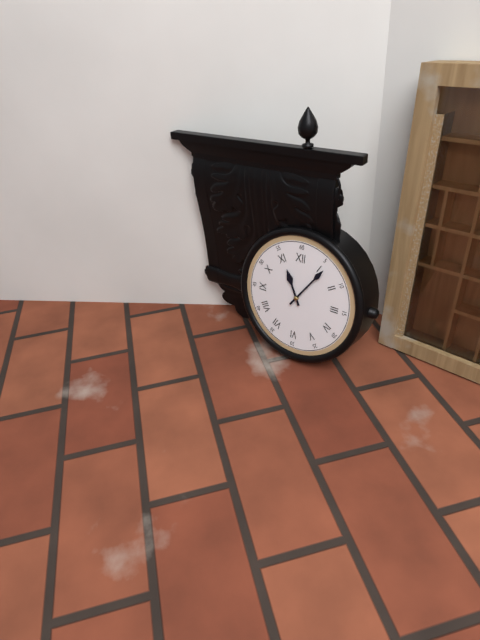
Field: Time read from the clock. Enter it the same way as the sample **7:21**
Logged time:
**11:06**
